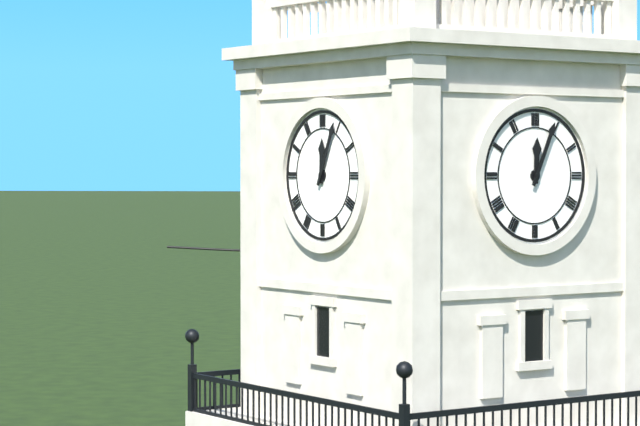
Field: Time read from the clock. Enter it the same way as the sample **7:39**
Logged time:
**12:04**
